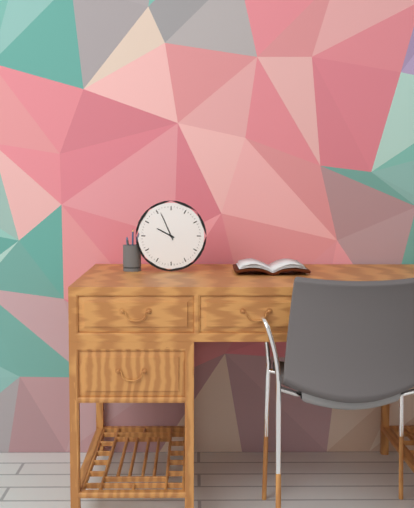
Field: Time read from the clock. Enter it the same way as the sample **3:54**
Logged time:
**9:56**
